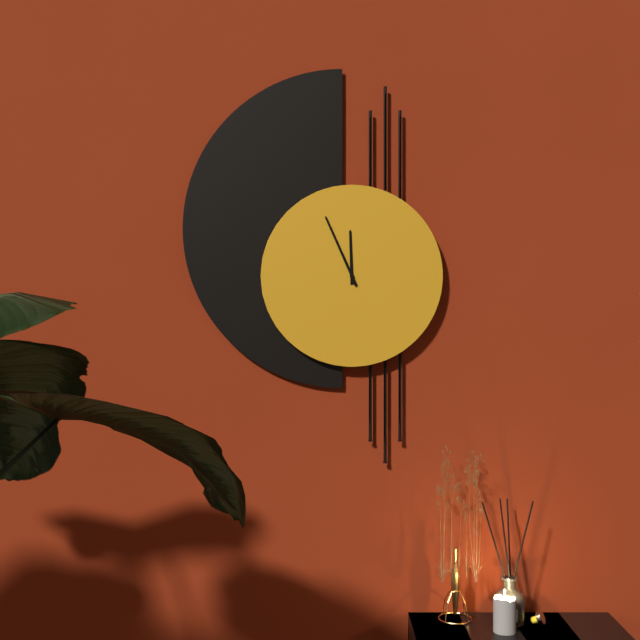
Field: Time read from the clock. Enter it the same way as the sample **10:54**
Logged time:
**11:56**
